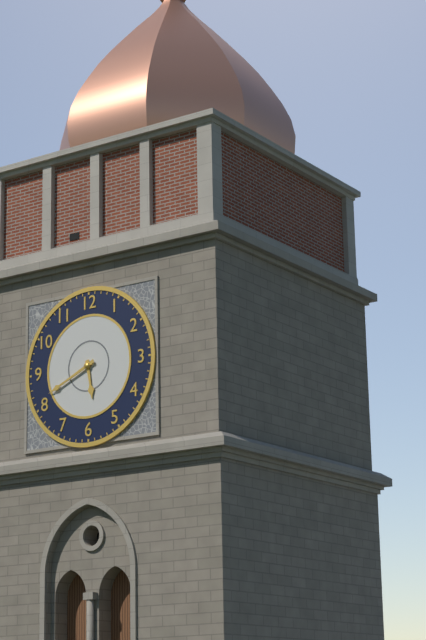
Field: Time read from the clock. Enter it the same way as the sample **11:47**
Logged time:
**5:41**
